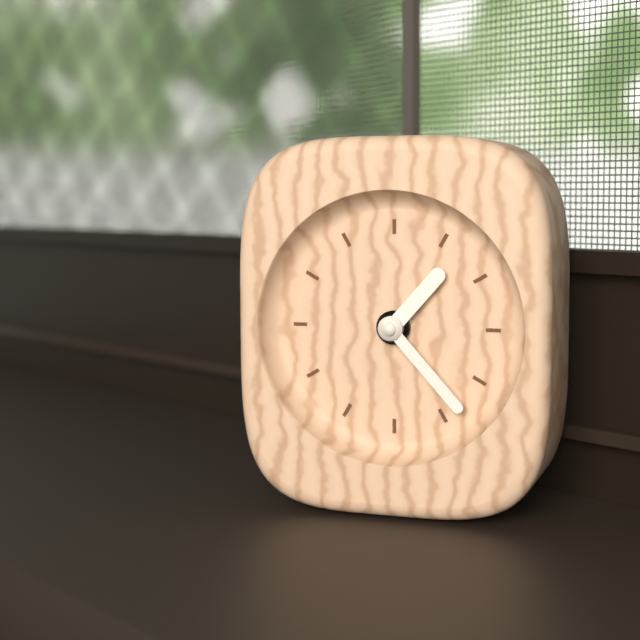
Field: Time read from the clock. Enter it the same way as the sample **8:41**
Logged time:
**1:23**
